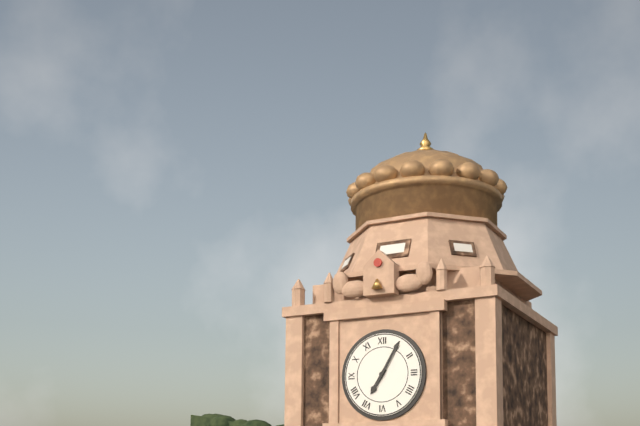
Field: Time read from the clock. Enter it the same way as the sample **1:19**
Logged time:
**7:05**
